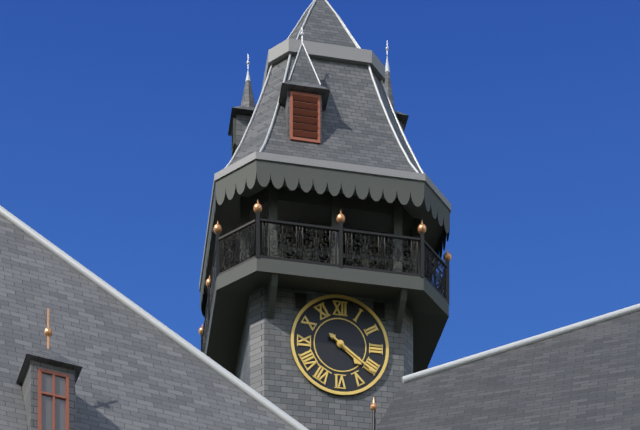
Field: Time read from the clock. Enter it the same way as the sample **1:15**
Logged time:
**4:21**
